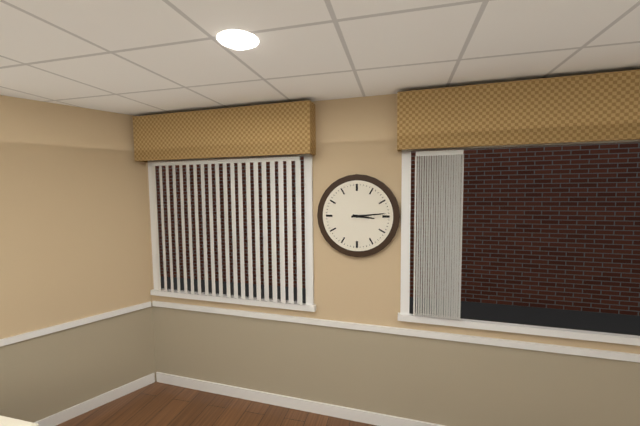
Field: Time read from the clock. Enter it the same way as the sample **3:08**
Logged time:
**3:14**
